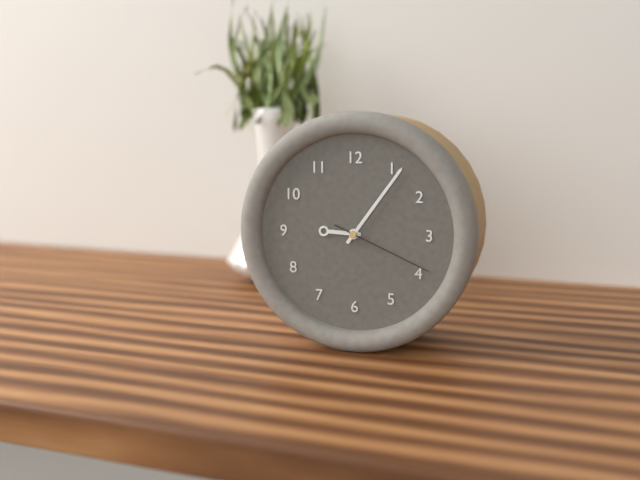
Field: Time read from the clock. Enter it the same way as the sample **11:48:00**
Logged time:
**9:06:19**
